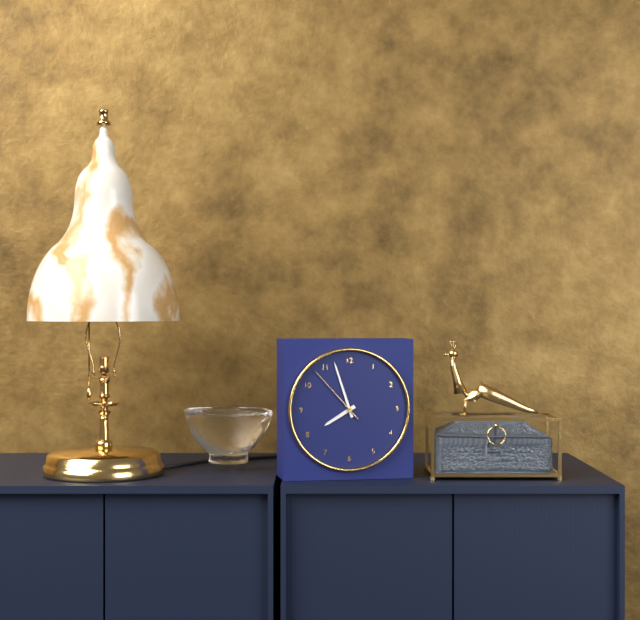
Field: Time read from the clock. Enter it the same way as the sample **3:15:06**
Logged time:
**7:57:53**
